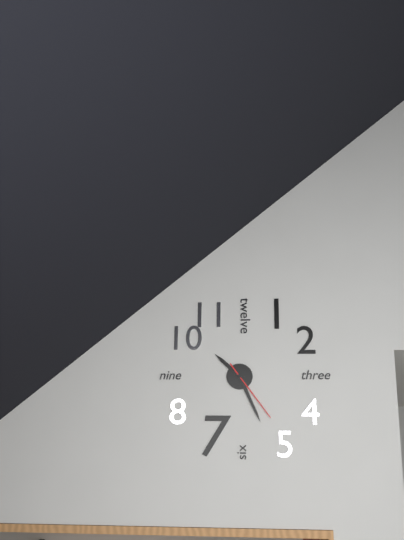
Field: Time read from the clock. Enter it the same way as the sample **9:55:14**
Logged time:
**10:26:24**
